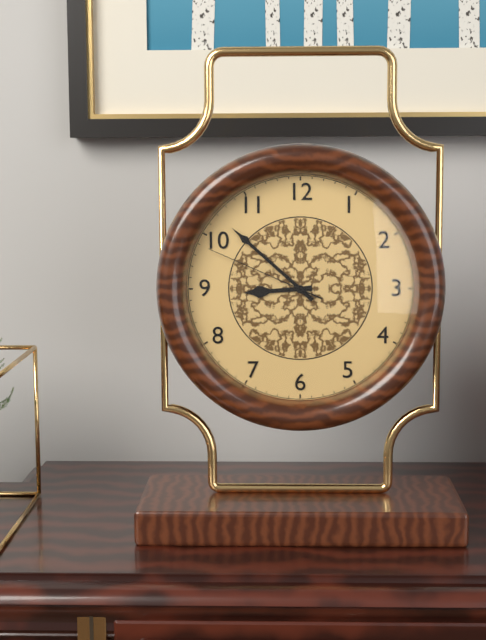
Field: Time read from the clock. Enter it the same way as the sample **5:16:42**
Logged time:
**8:52:49**
